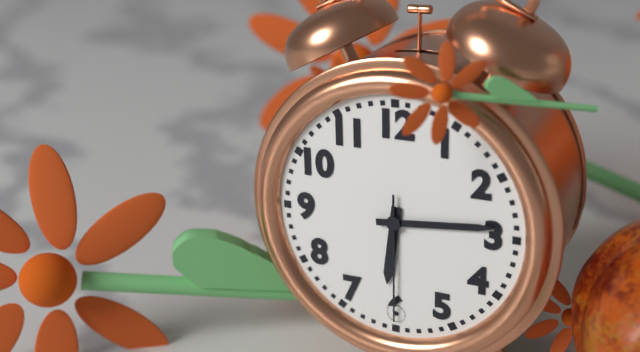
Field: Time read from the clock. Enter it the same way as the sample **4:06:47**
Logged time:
**6:14:30**
